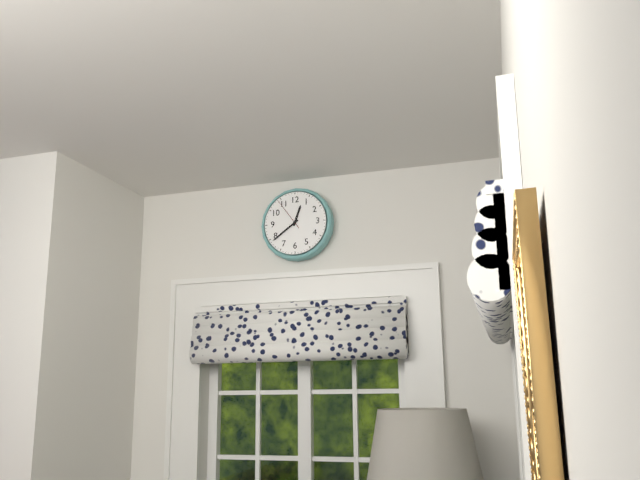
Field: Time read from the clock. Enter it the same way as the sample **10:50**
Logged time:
**12:39**
